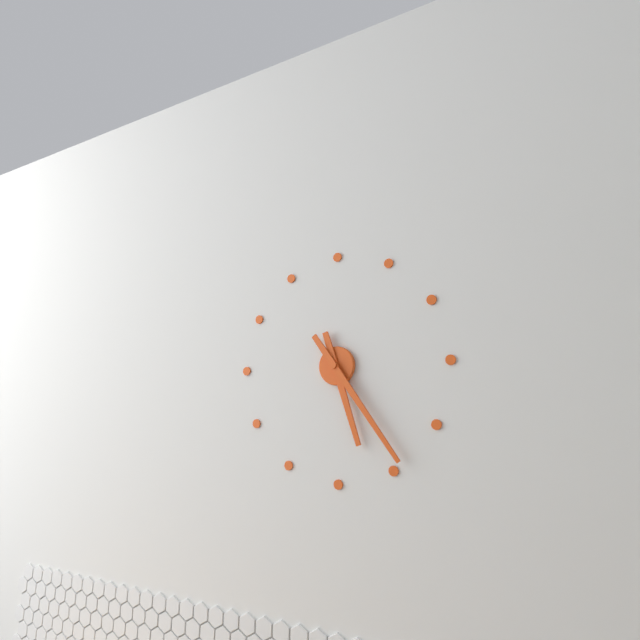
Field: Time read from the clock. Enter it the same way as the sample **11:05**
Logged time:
**5:24**
